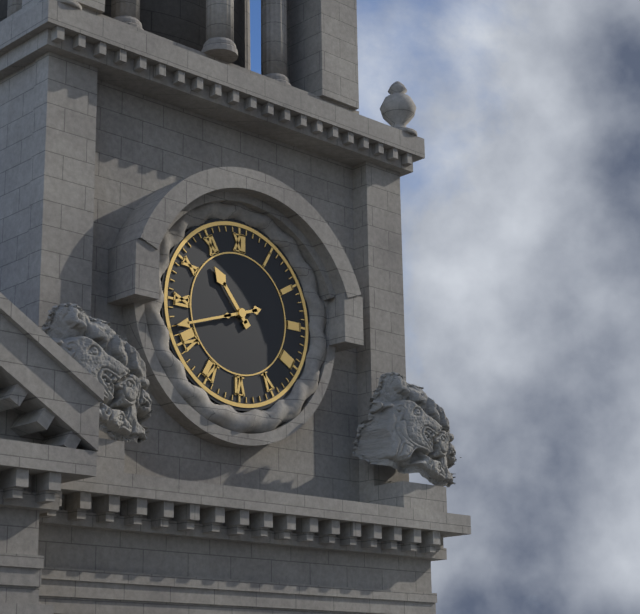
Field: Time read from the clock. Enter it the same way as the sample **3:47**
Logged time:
**10:42**
